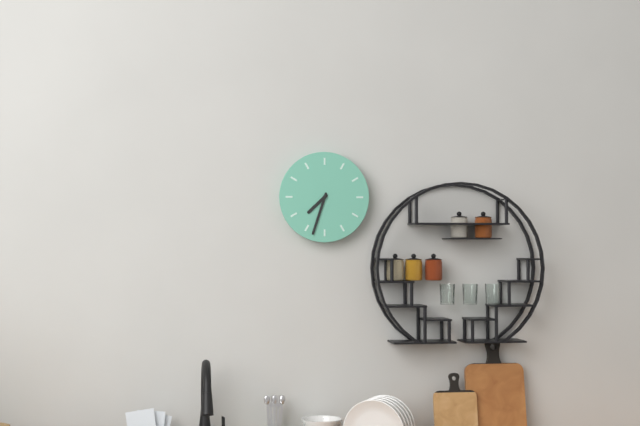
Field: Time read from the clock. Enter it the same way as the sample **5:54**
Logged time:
**7:33**
